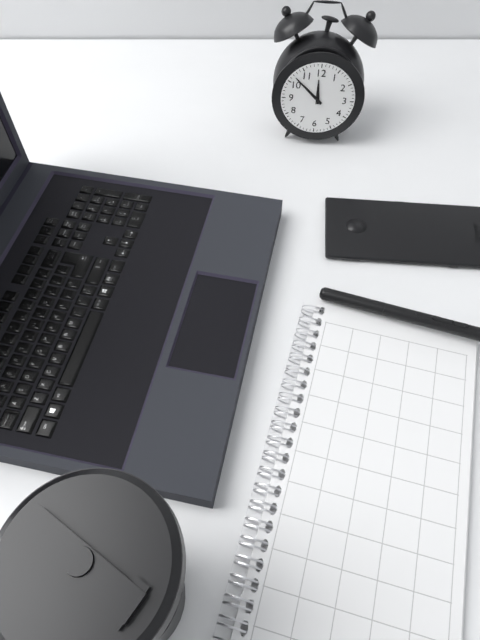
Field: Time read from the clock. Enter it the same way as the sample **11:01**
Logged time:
**11:52**
